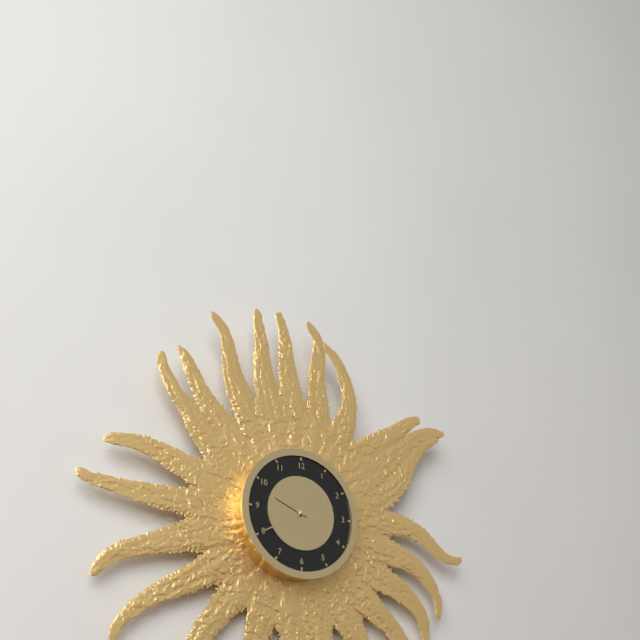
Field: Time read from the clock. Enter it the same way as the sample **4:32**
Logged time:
**9:40**
